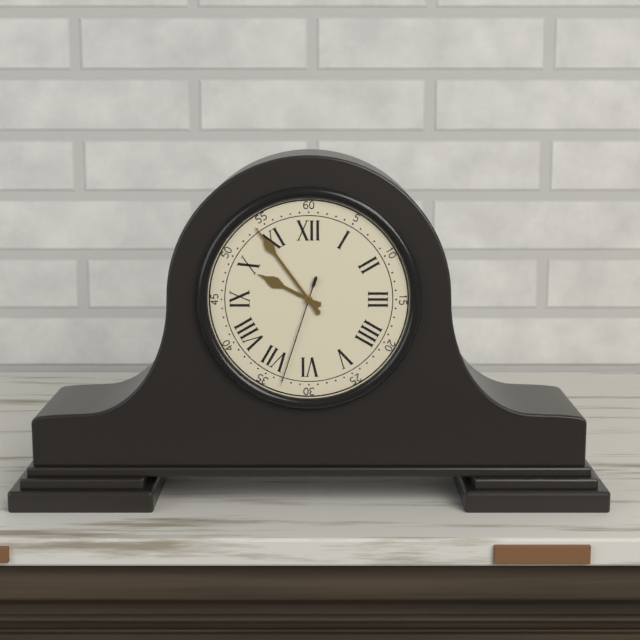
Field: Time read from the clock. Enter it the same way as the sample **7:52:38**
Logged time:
**9:54:33**
